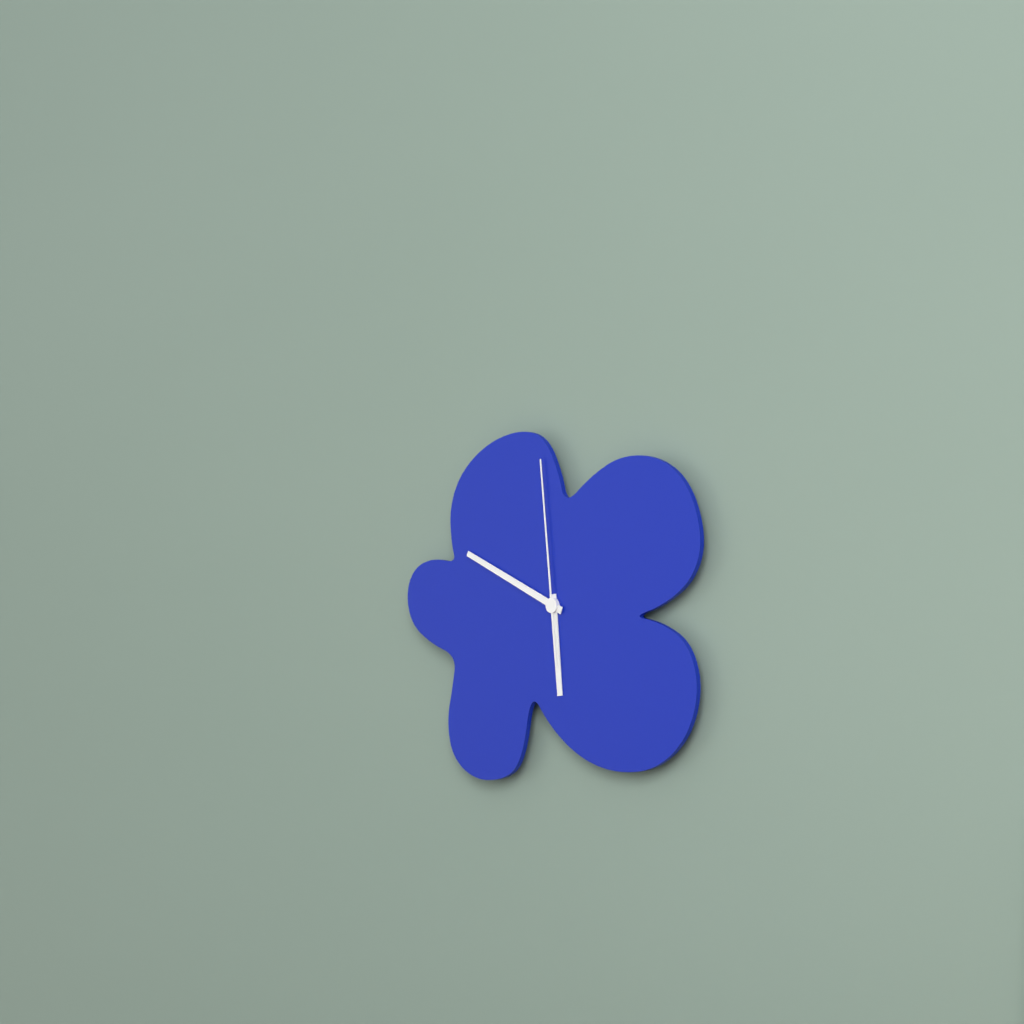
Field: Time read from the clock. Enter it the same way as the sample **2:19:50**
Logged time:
**5:49:59**
